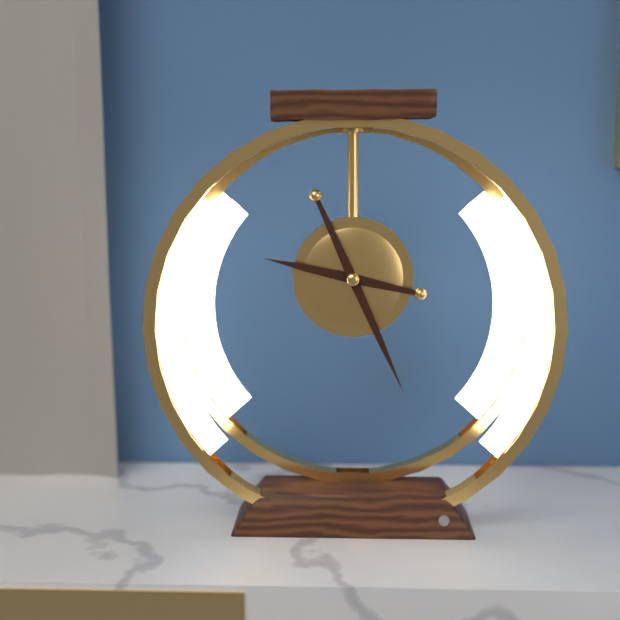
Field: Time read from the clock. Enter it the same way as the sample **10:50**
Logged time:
**9:26**
